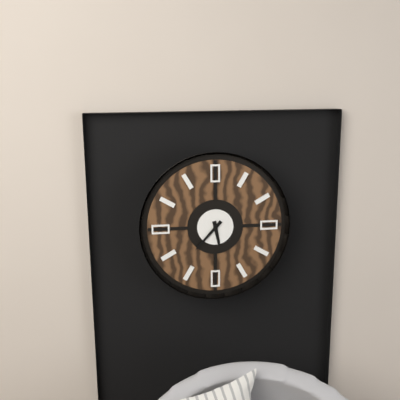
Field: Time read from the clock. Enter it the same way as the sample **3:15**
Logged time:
**5:37**
